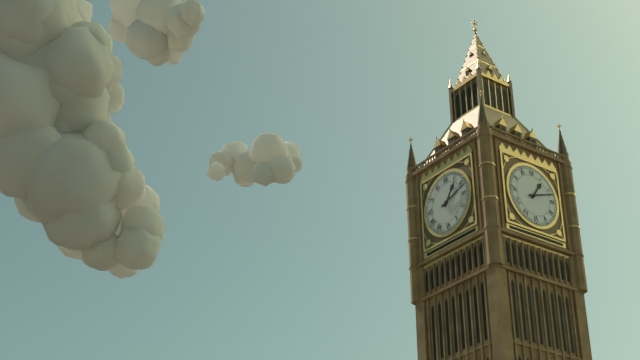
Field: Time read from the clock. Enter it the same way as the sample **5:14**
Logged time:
**1:12**
